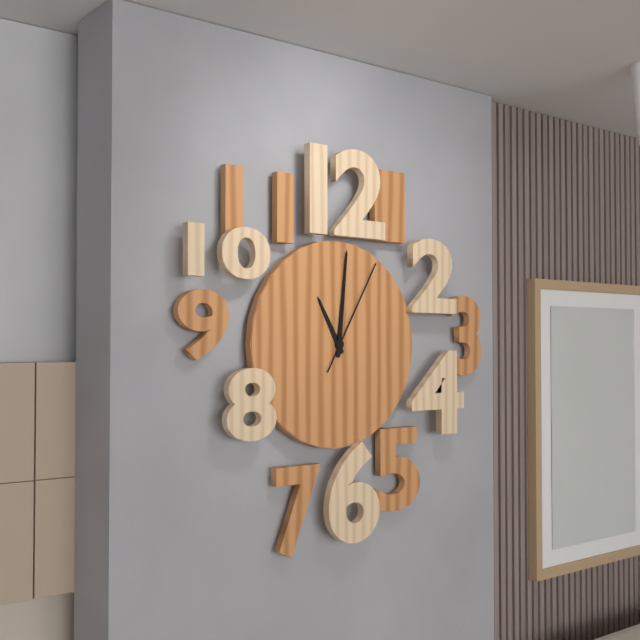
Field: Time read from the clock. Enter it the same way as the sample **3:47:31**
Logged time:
**11:01:05**
